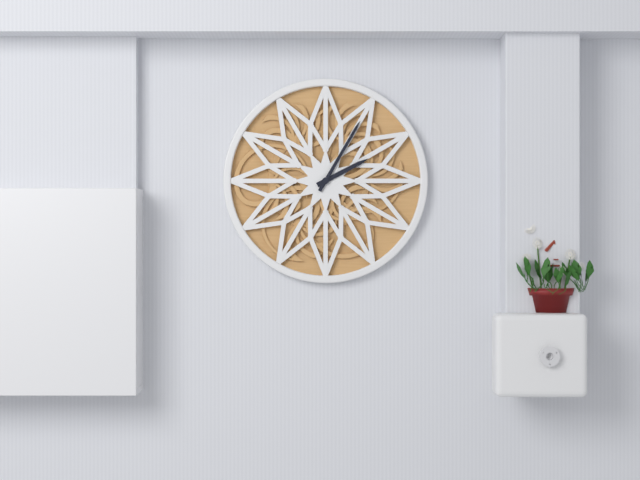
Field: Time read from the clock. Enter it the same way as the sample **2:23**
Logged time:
**2:05**
